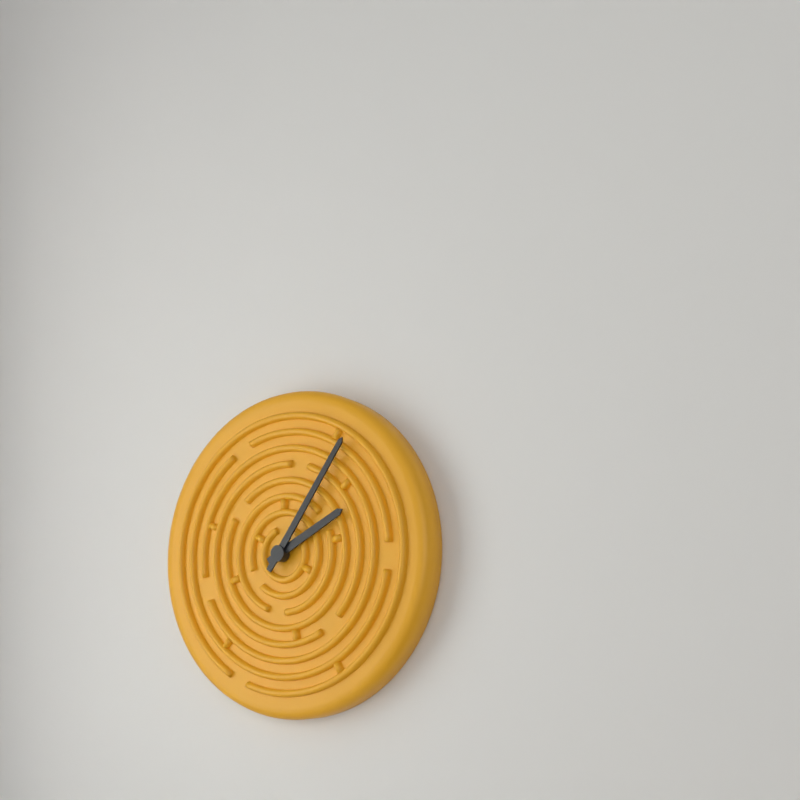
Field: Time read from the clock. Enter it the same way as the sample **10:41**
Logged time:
**2:06**
